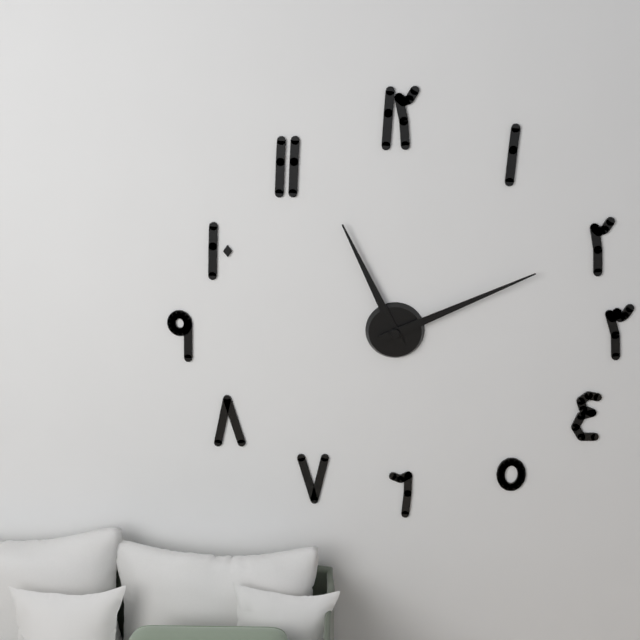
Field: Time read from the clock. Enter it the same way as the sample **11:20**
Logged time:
**11:11**
